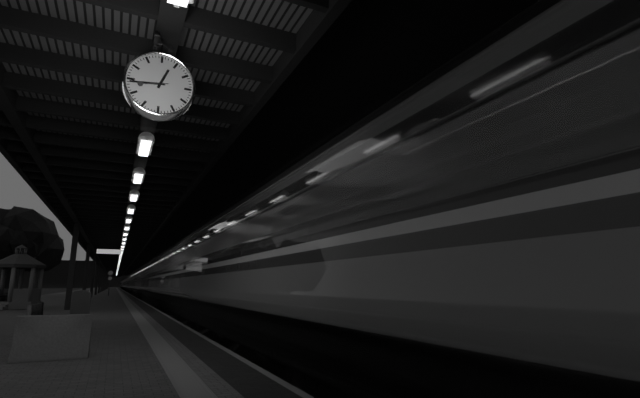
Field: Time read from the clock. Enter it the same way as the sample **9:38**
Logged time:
**12:44**
